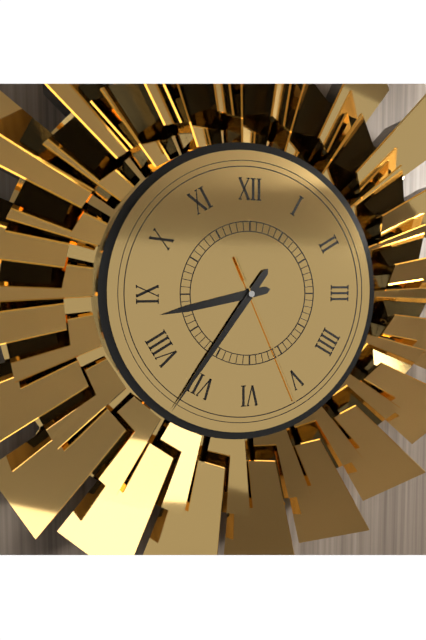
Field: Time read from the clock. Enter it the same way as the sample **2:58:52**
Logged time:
**8:36:26**
